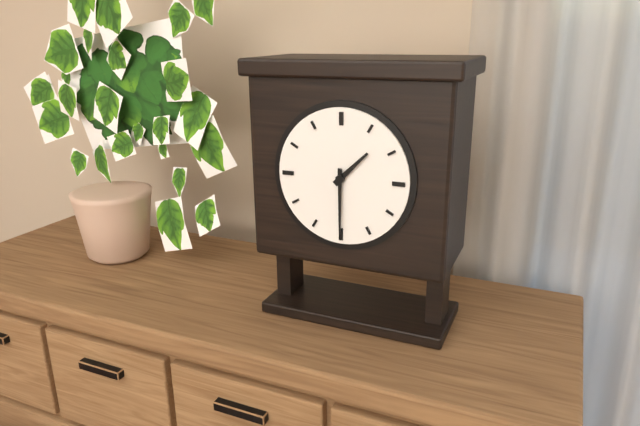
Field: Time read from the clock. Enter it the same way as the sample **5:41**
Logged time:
**1:30**
